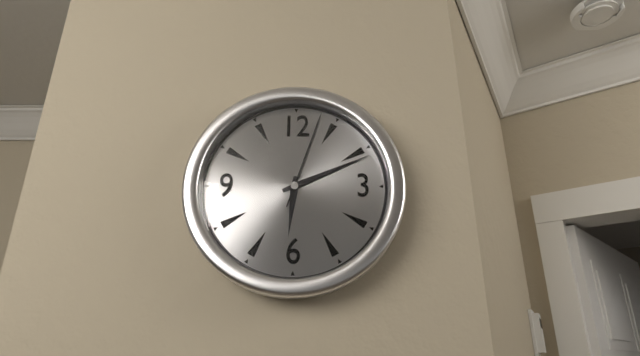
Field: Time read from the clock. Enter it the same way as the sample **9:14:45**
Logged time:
**6:11:03**
